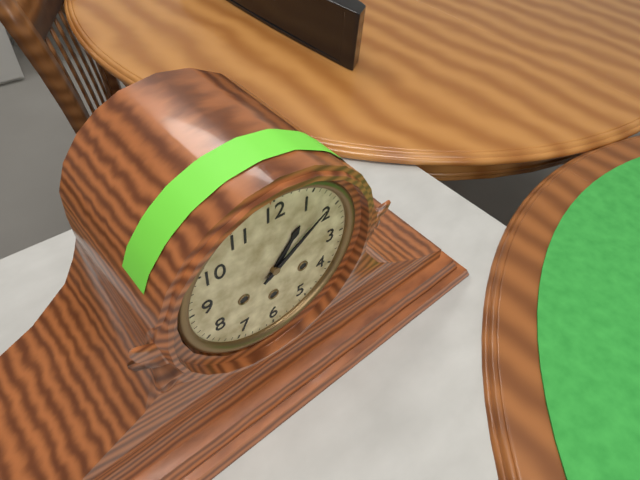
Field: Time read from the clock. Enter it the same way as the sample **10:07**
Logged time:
**1:09**
